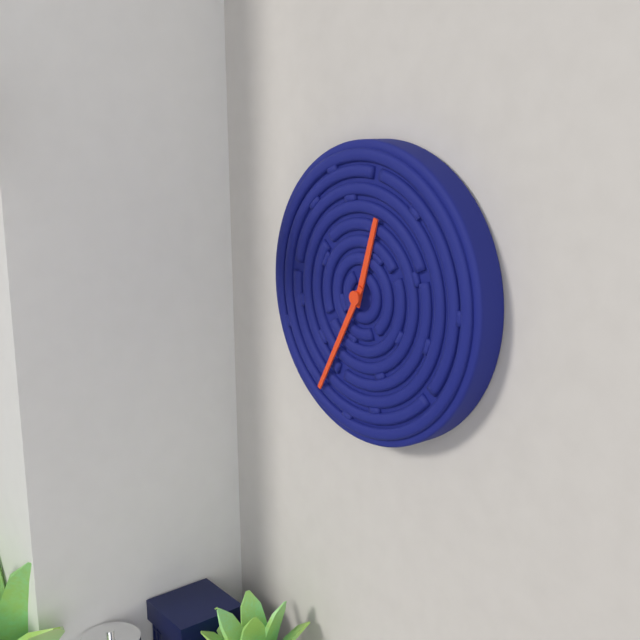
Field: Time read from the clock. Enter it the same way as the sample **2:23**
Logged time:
**12:35**
